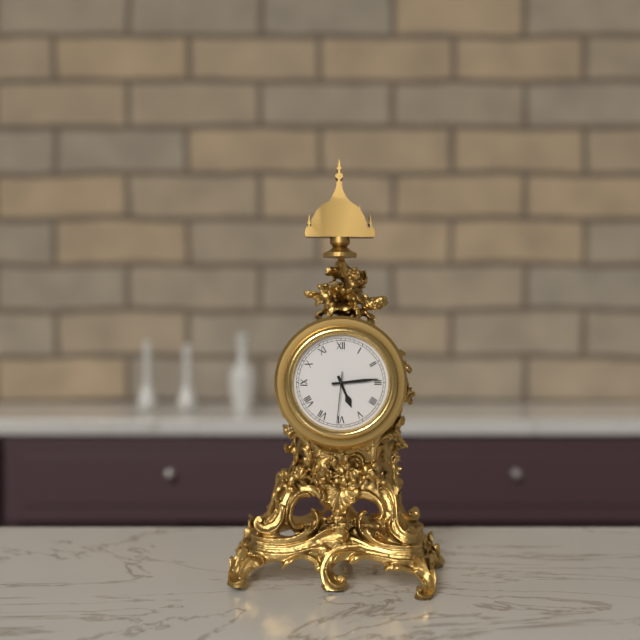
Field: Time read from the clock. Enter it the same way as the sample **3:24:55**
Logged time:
**5:14:31**
